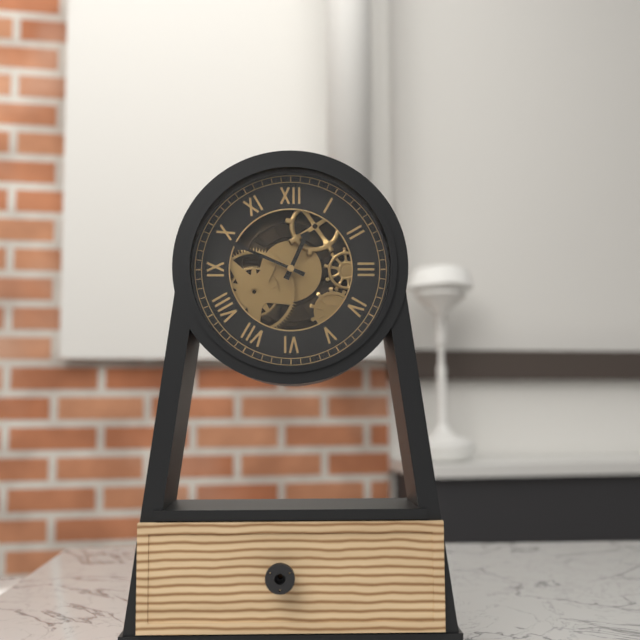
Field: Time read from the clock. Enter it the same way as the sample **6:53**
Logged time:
**12:49**
